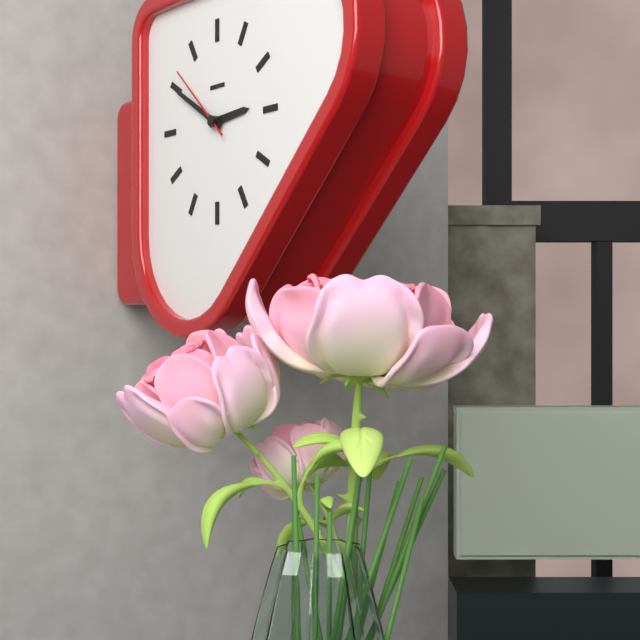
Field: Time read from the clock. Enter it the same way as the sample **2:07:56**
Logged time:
**2:50:52**
